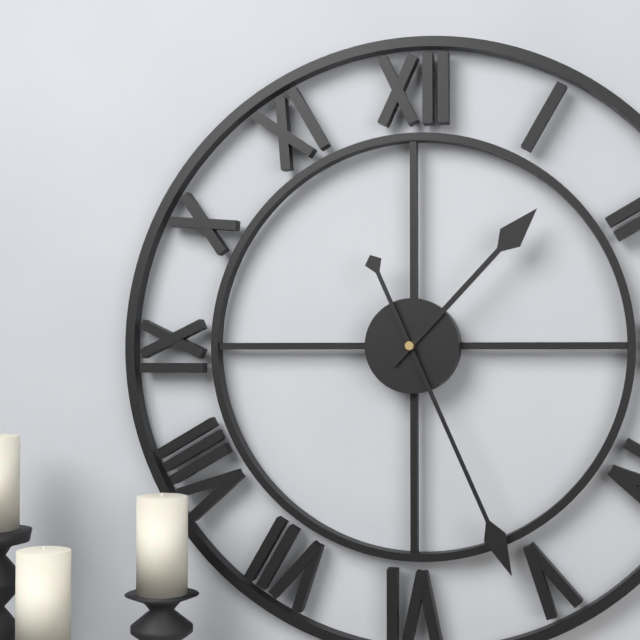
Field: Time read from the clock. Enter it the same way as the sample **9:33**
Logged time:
**1:26**
